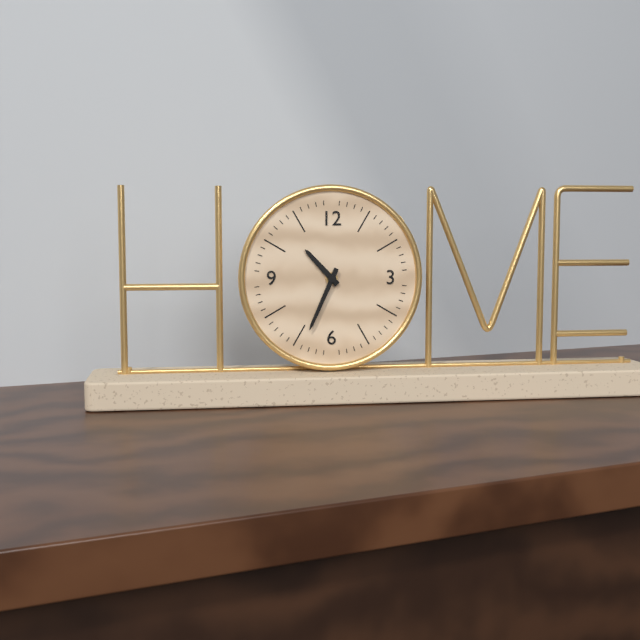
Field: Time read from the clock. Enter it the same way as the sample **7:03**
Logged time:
**10:34**
